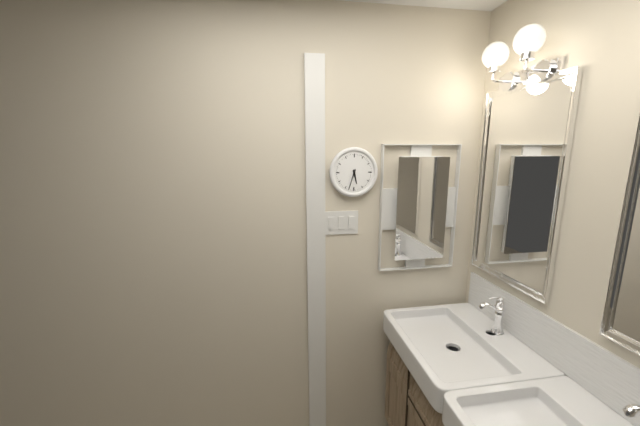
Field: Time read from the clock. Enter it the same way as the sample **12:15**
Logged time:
**5:33**
